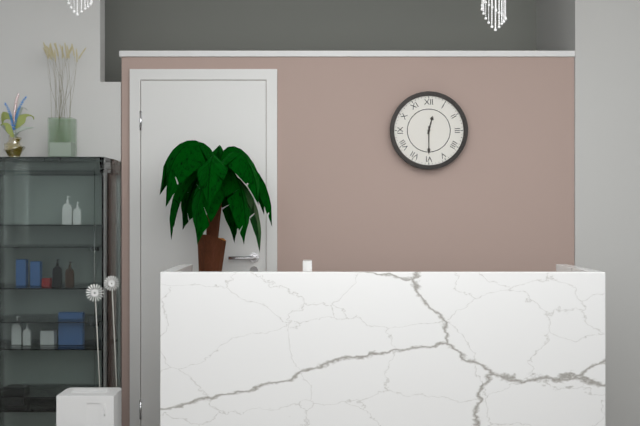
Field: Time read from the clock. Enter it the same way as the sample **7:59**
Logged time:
**12:30**
